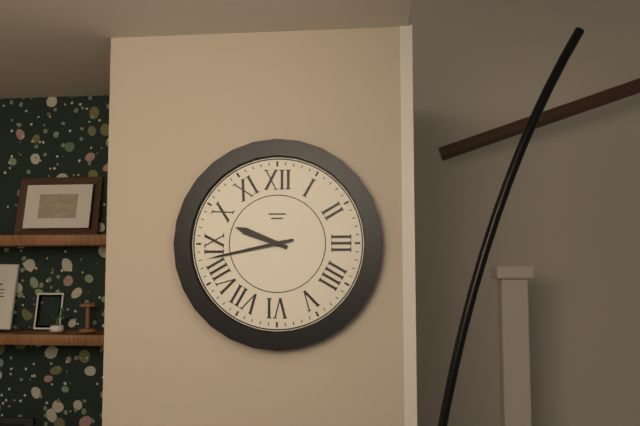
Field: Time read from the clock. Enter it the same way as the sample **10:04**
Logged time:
**9:43**
